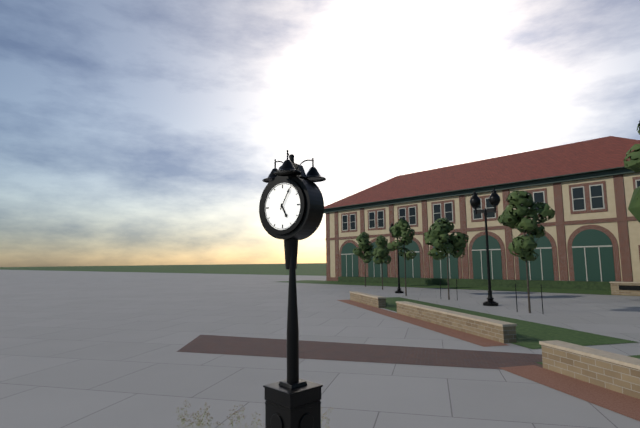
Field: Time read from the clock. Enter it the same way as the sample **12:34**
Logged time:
**5:05**
